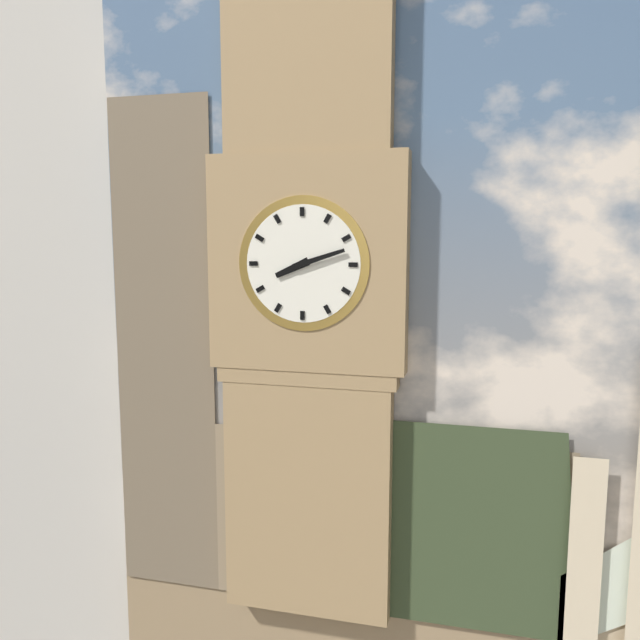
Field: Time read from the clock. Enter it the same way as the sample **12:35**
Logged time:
**8:12**
